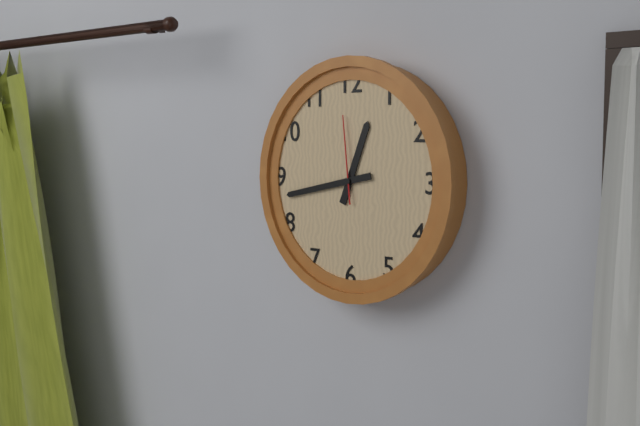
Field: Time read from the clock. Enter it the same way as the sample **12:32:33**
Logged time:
**12:43:59**
